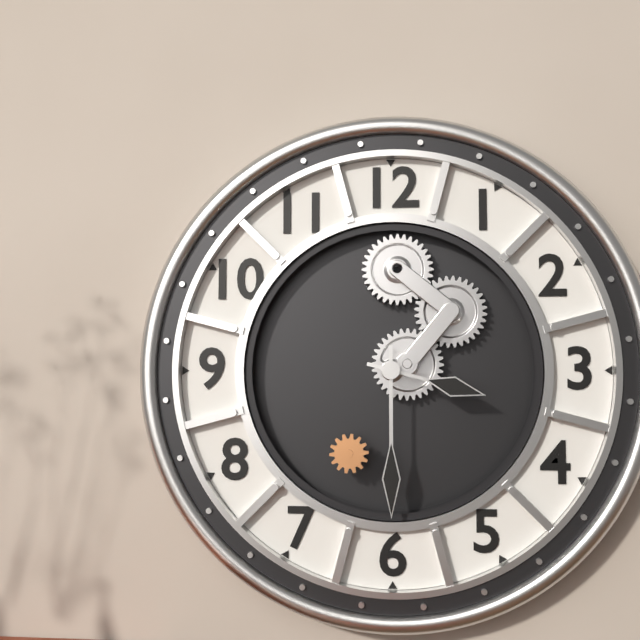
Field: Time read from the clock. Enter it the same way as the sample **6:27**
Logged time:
**3:30**
